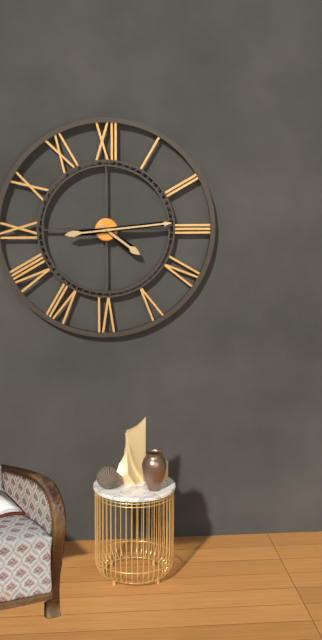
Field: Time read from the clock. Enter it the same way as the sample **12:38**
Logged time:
**4:14**
